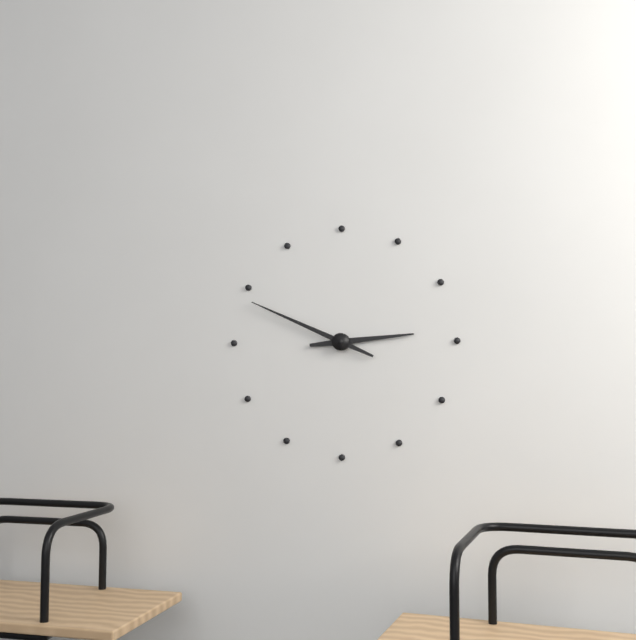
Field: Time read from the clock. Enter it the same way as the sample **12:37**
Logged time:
**2:49**
